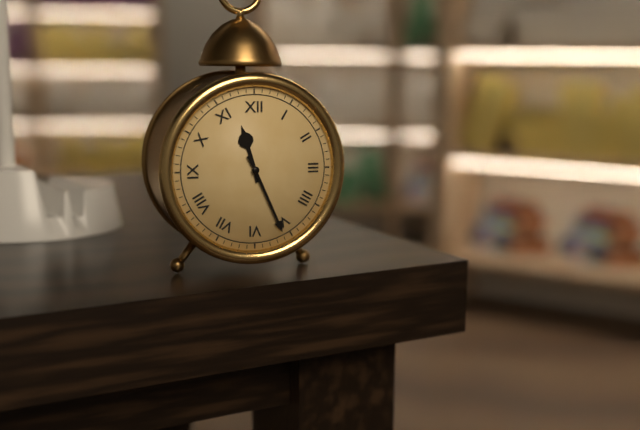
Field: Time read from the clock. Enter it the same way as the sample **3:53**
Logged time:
**11:26**
